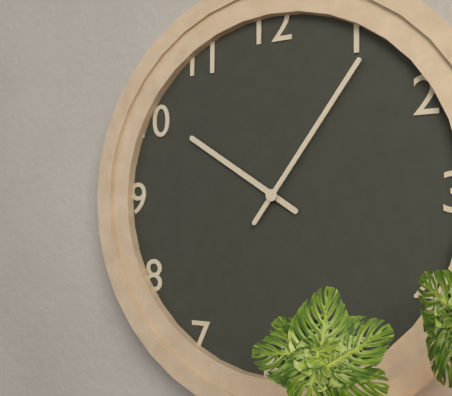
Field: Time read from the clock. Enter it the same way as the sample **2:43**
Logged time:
**10:06**
